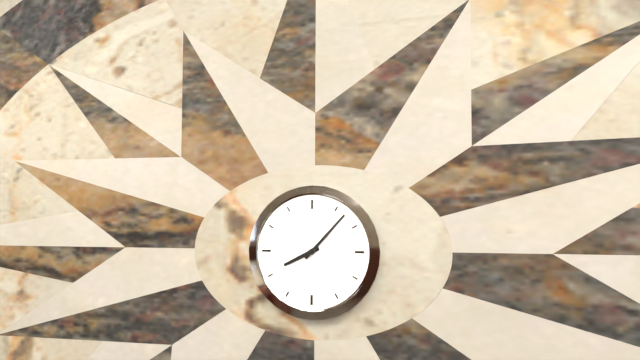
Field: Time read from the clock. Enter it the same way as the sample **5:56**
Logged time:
**8:07**
